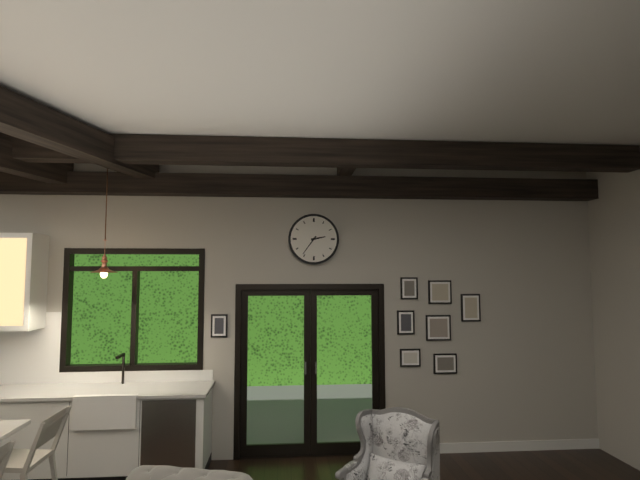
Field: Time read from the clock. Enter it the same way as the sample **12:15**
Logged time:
**2:36**
